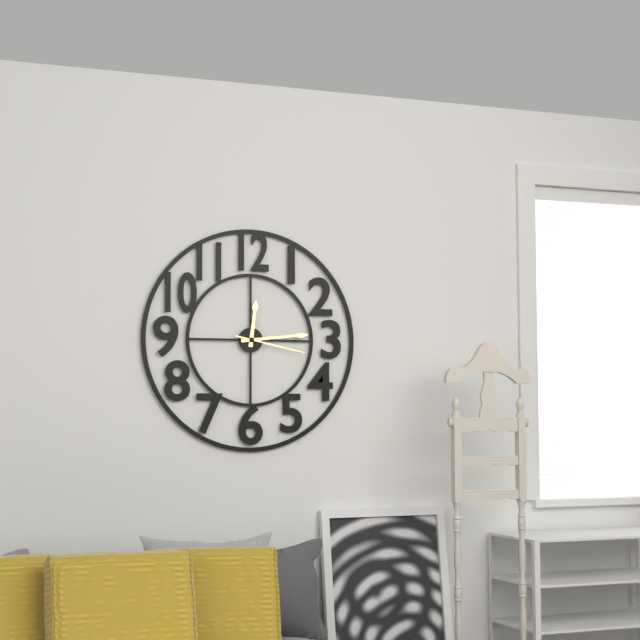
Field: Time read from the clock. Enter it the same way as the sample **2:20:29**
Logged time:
**12:14:17**
